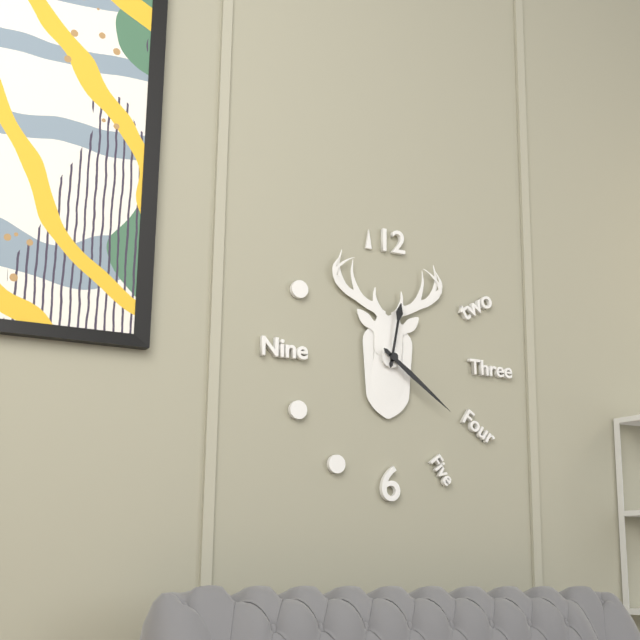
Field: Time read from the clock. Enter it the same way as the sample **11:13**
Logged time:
**12:21**
